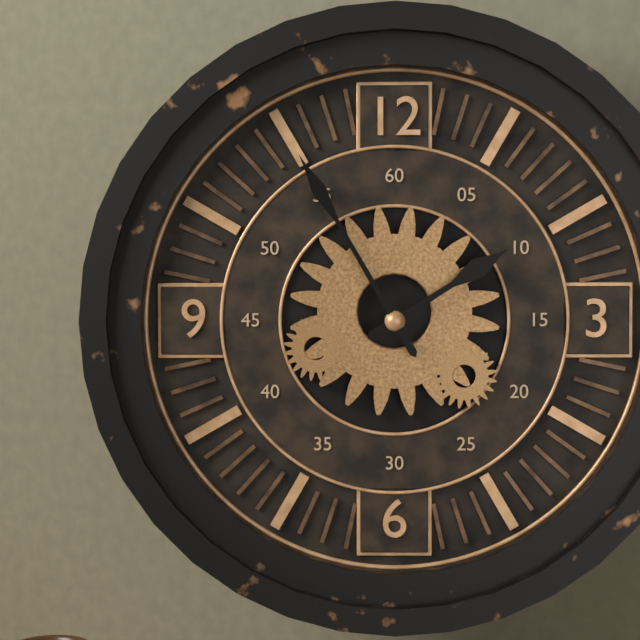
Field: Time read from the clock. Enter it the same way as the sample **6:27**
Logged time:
**1:55**
